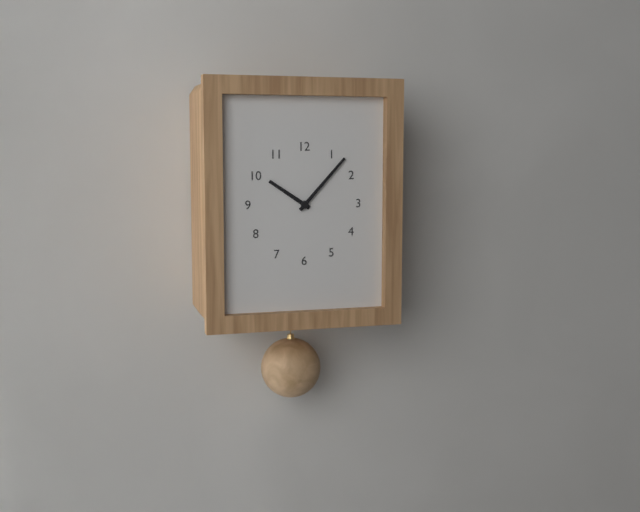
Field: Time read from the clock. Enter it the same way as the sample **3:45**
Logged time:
**10:07**
